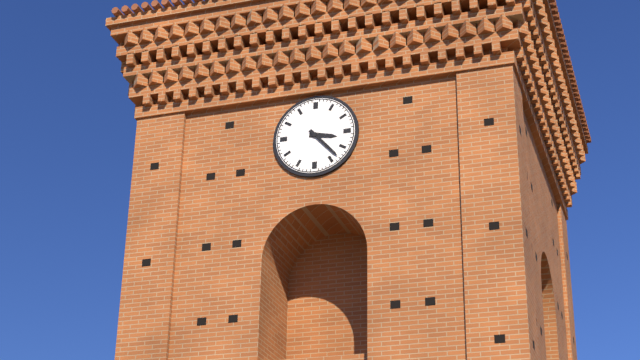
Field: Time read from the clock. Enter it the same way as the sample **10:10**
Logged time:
**3:23**
